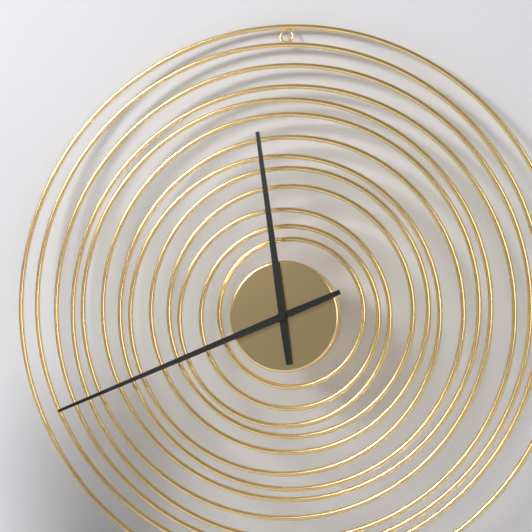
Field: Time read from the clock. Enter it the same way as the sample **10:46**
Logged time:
**11:41**
